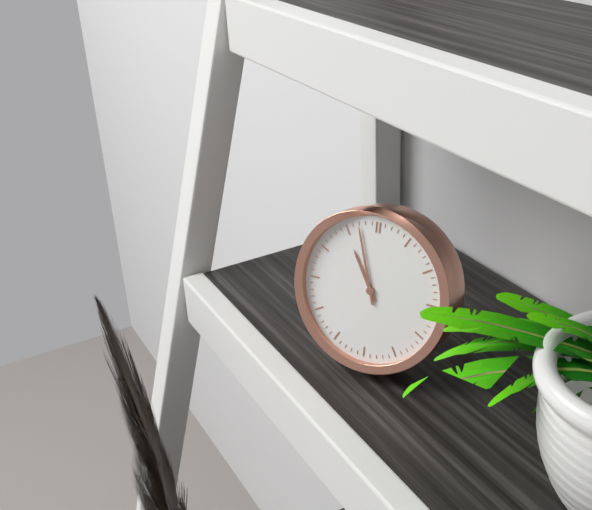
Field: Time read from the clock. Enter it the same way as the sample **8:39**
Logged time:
**10:57**
